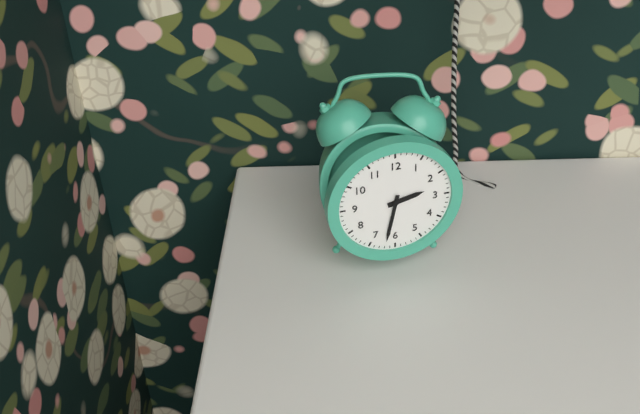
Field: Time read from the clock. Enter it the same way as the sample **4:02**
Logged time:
**2:32**
